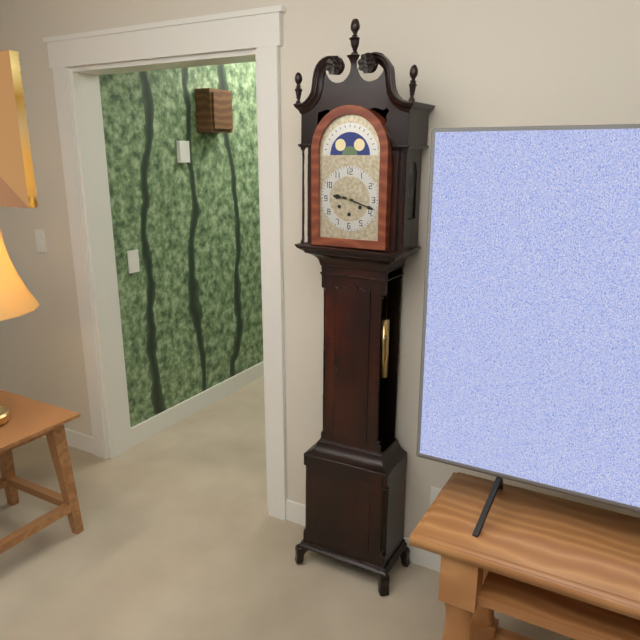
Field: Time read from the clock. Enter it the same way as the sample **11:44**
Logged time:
**9:18**
